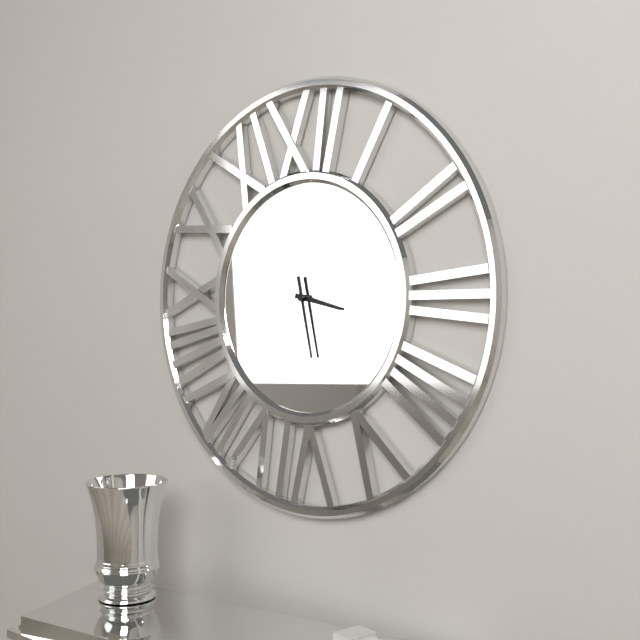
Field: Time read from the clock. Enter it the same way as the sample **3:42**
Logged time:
**3:28**
